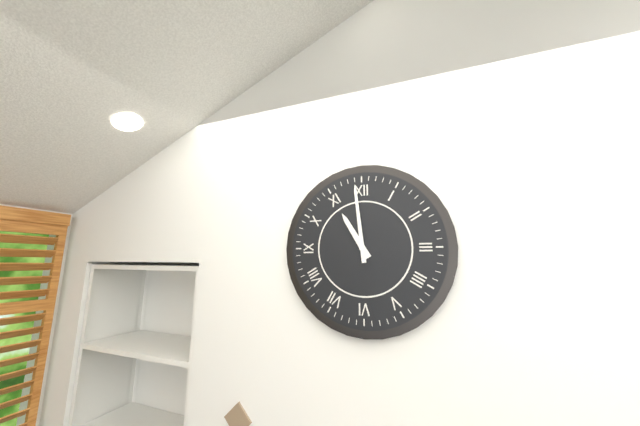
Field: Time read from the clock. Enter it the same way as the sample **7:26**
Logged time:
**10:59**
